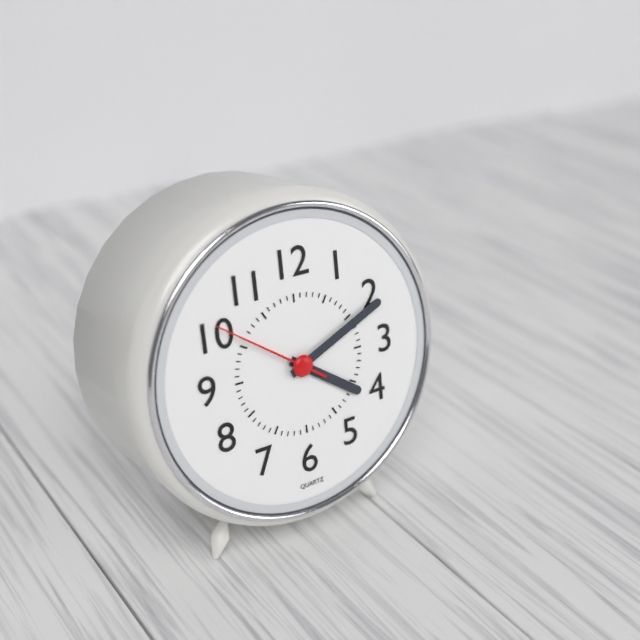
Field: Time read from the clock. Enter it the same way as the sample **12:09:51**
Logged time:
**4:11:51**
